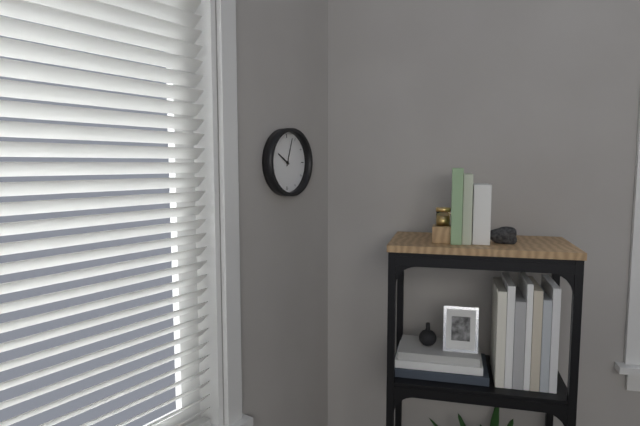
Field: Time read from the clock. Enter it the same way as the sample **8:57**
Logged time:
**10:03**
